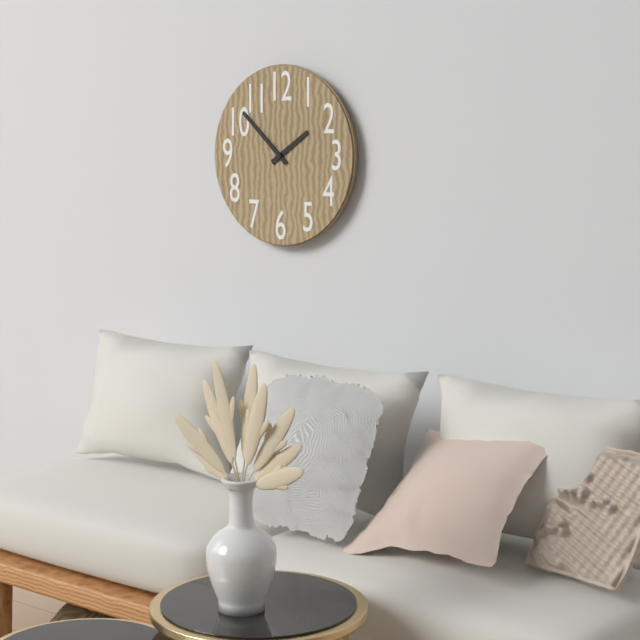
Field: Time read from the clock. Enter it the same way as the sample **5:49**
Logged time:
**1:52**
